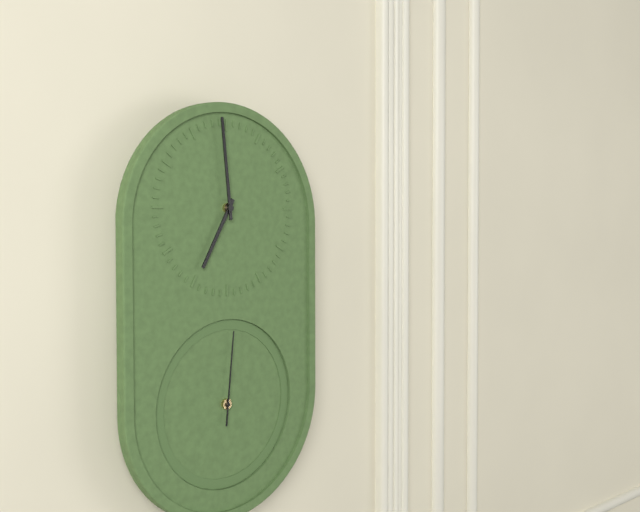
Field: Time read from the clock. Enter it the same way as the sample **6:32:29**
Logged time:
**6:59:01**
